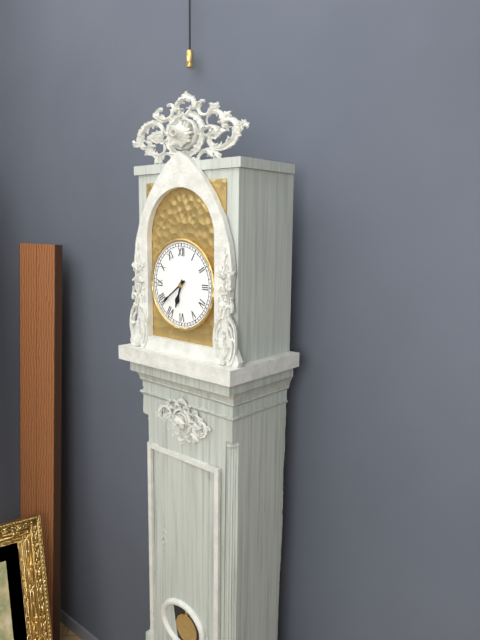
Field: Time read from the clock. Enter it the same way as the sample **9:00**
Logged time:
**6:39**
